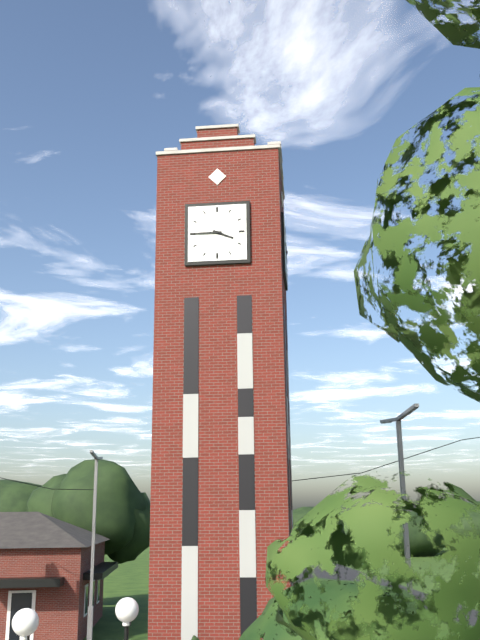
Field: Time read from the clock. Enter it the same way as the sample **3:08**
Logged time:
**3:45**
